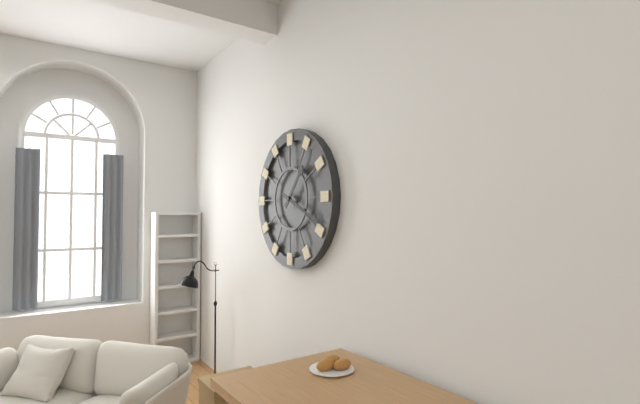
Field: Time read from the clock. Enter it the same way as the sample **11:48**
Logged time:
**1:19**
